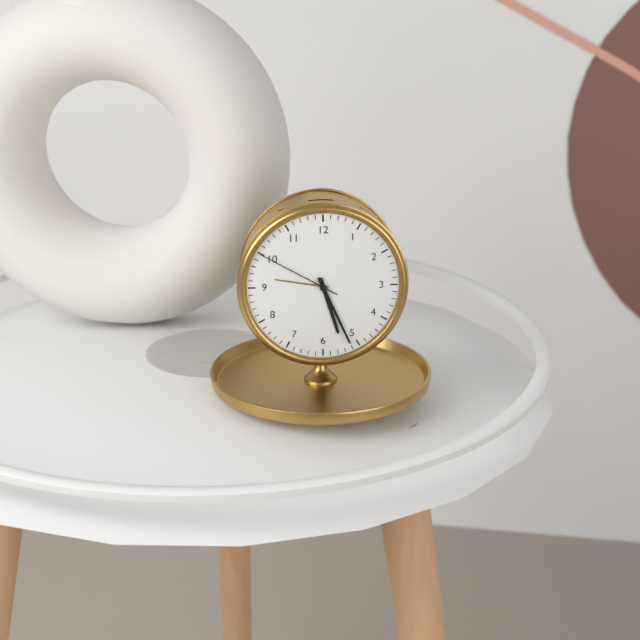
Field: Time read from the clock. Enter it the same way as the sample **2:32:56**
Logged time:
**5:26:50**
